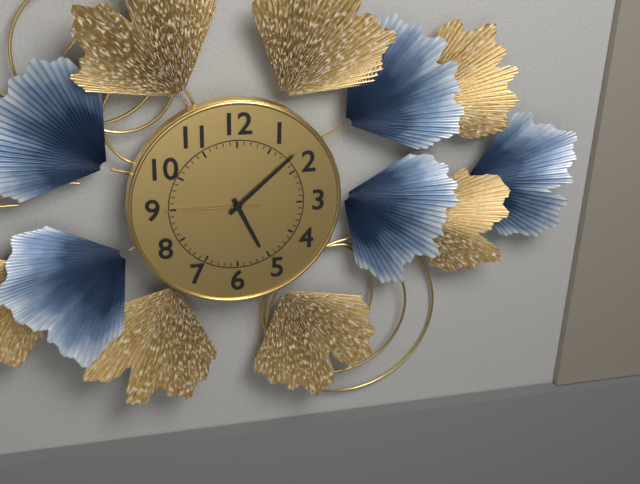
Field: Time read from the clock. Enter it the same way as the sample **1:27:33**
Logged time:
**5:08:45**
